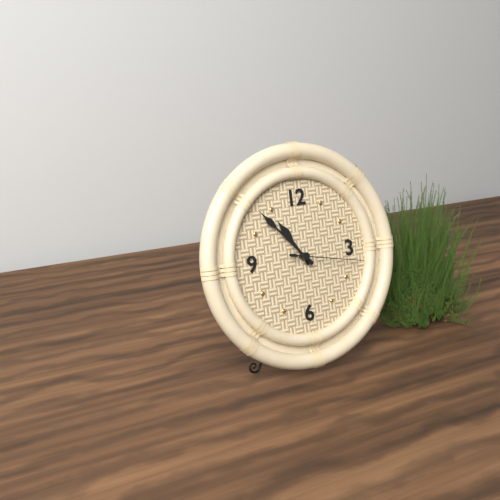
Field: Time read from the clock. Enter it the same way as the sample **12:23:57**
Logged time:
**10:53:17**
